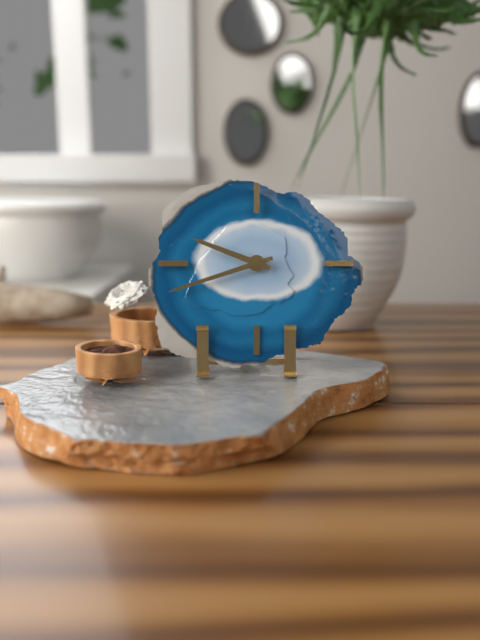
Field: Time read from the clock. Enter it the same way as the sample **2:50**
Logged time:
**9:42**
